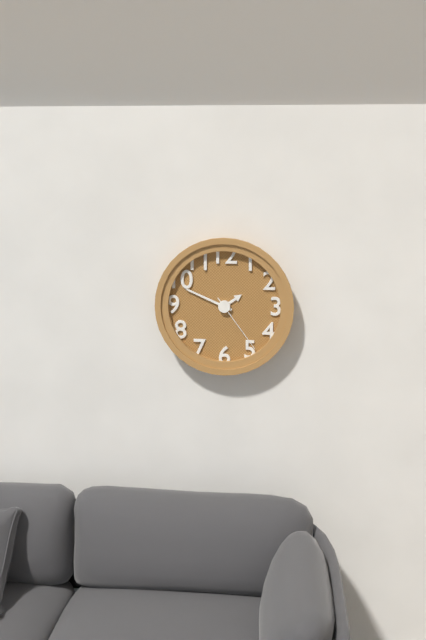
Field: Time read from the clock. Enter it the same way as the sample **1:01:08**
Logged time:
**1:49:24**
